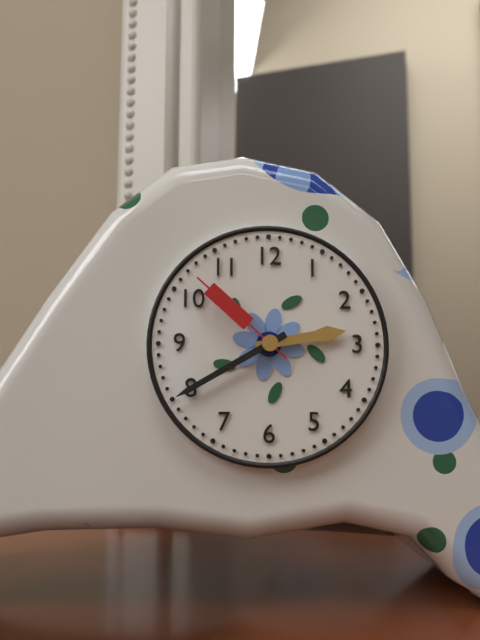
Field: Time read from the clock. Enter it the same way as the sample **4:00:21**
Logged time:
**2:40:52**
